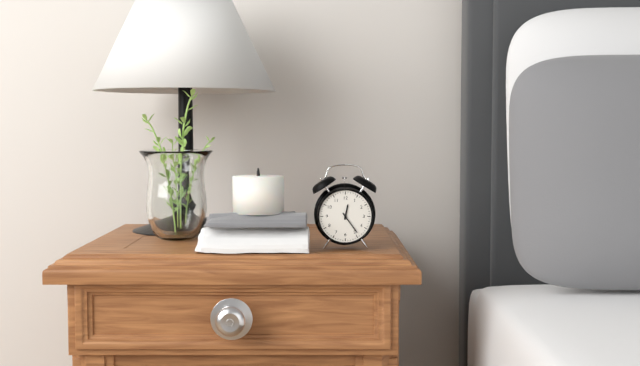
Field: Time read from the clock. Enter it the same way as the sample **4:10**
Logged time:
**12:24**
